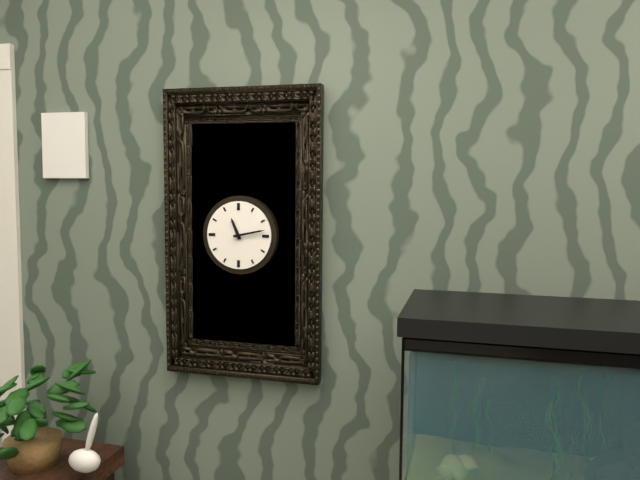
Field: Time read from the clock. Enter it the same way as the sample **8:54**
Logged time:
**11:13**
